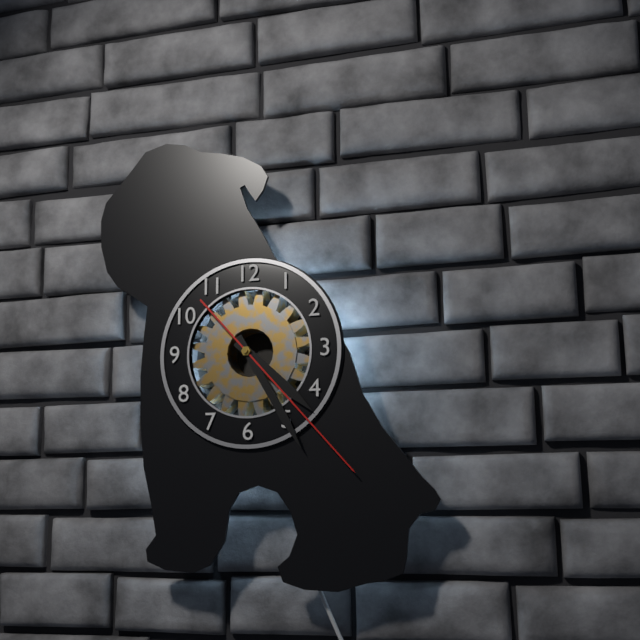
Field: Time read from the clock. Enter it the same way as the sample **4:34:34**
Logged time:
**4:25:23**
